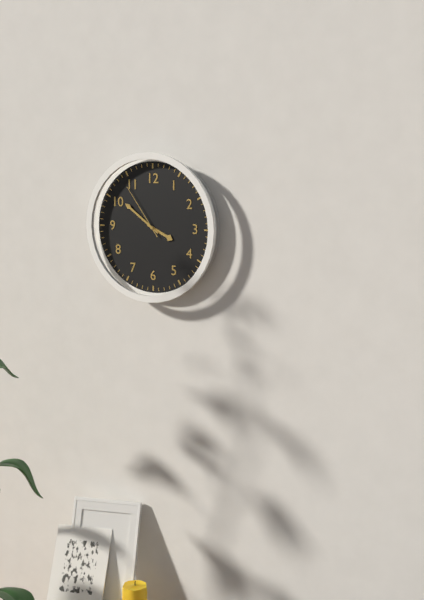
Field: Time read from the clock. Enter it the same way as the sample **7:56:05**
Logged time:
**3:51:54**
